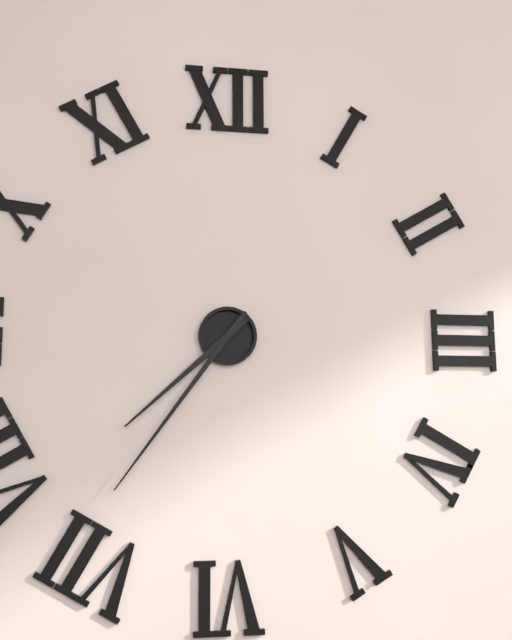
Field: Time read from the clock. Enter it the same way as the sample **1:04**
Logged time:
**7:36**
